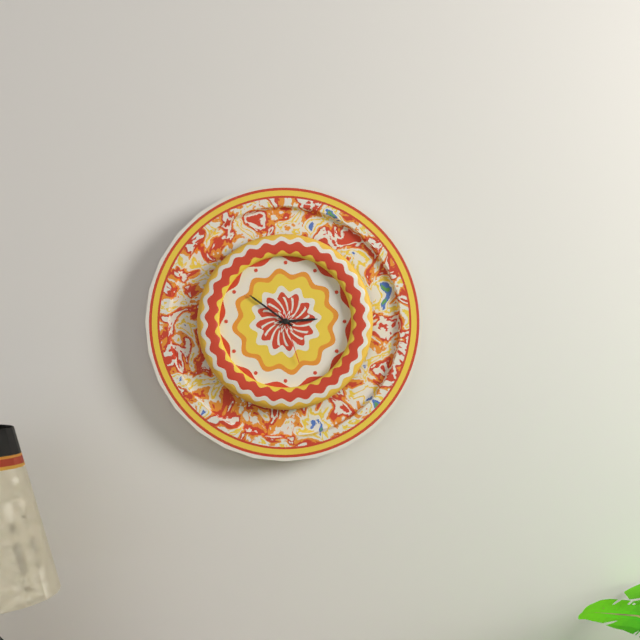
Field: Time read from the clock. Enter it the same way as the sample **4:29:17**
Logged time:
**2:51:27**
